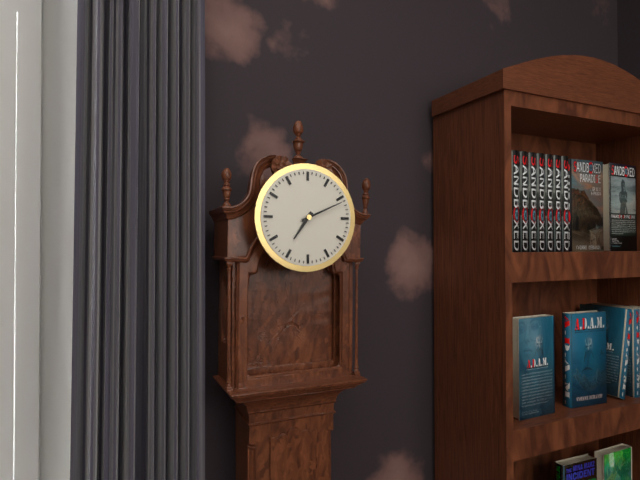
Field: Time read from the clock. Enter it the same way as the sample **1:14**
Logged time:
**7:11**
